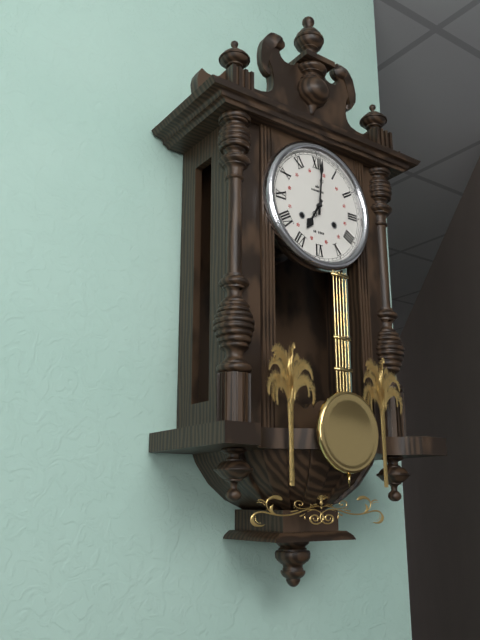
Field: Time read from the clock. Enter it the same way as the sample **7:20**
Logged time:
**7:01**
